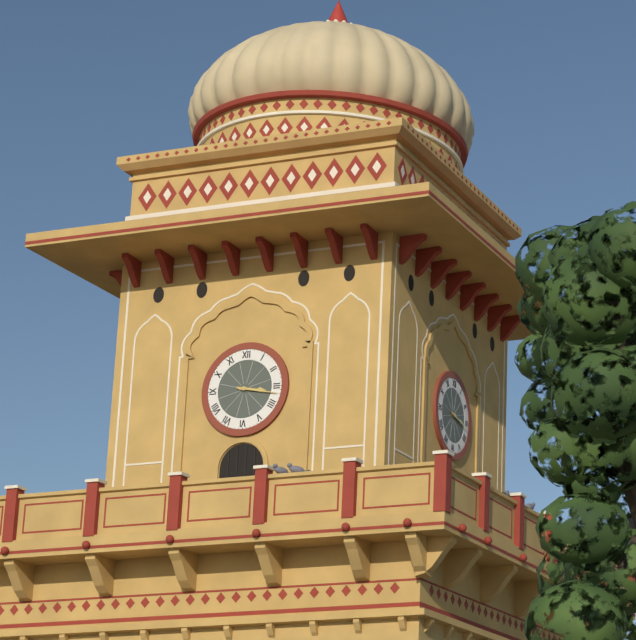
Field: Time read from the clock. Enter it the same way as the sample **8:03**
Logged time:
**3:17**
